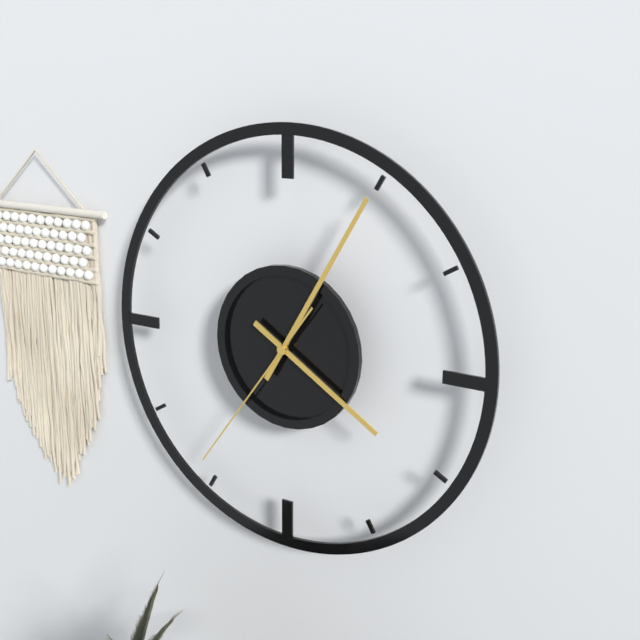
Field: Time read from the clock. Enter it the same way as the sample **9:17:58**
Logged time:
**4:05:36**
